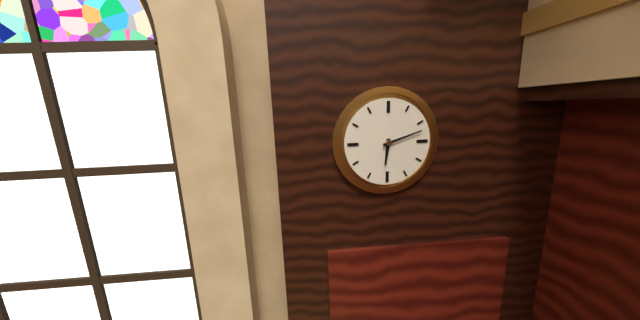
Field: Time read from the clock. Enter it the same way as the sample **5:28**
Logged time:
**6:12**
